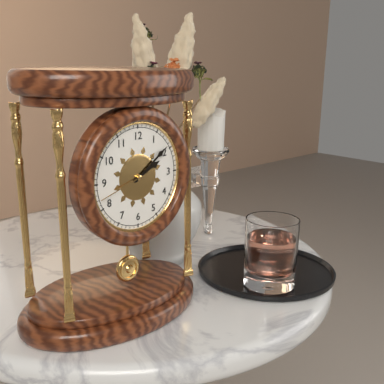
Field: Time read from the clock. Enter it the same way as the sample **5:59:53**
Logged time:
**2:09:42**
